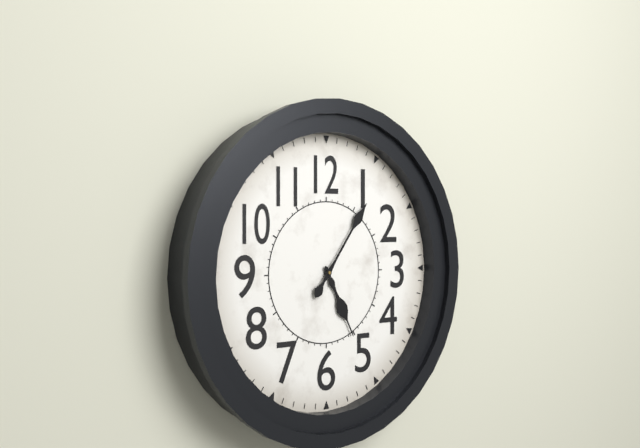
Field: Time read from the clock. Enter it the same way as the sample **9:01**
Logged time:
**5:06**
